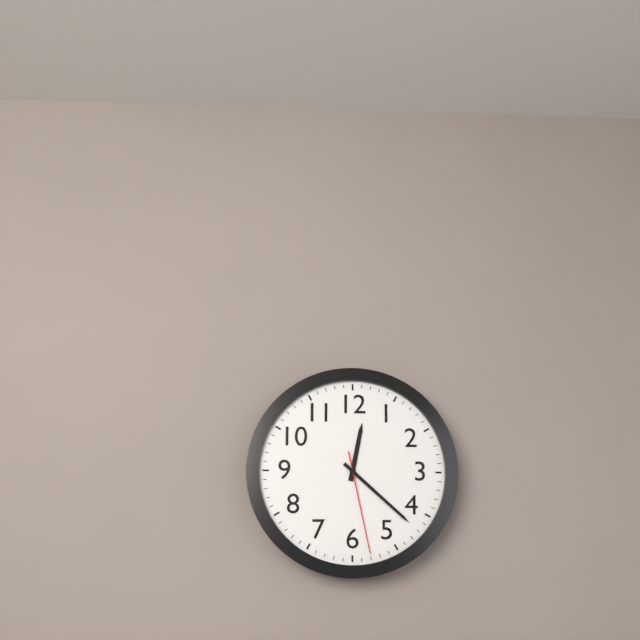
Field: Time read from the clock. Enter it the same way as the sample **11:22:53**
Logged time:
**12:22:28**
